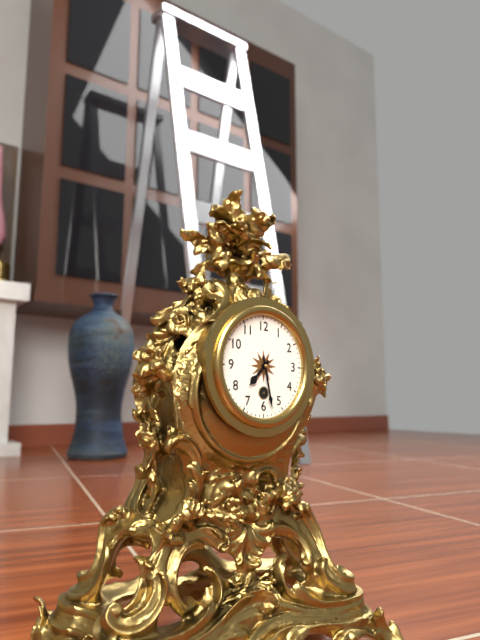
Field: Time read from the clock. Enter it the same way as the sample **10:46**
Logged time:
**7:28**
